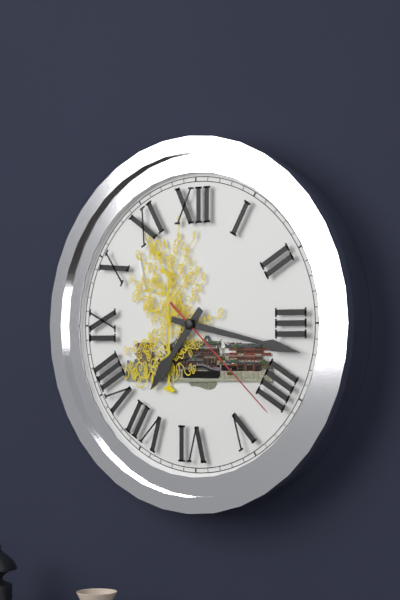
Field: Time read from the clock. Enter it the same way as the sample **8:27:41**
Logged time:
**7:17:22**
